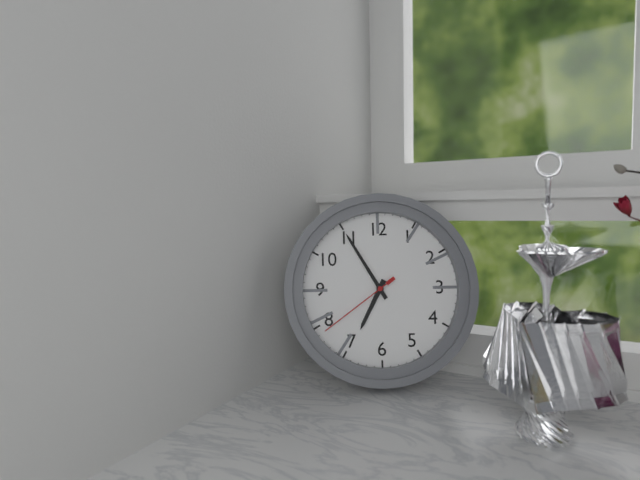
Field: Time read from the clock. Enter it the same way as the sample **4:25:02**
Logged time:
**6:55:39**
